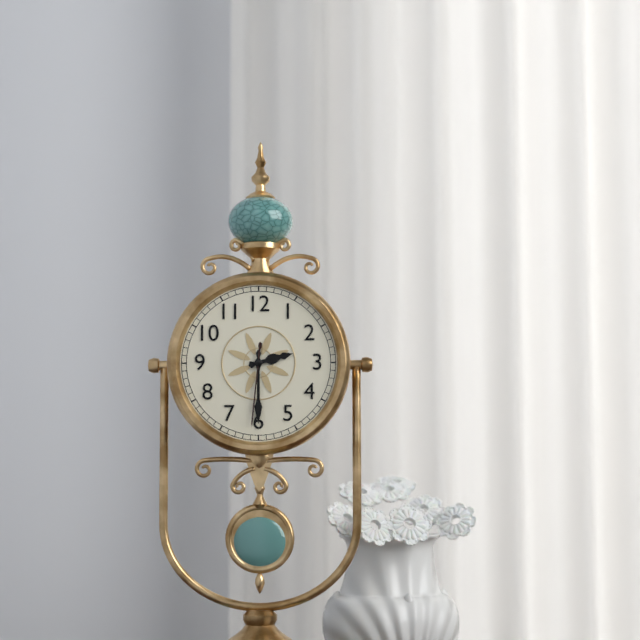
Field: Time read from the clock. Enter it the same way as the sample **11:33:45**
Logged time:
**2:30:31**
